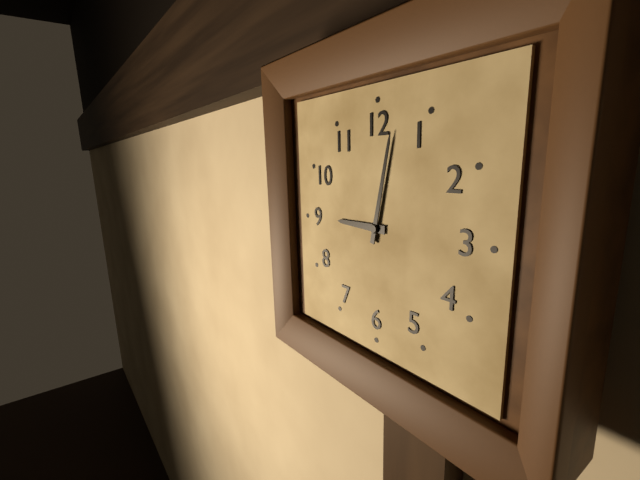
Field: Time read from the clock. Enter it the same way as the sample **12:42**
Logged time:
**9:02**
